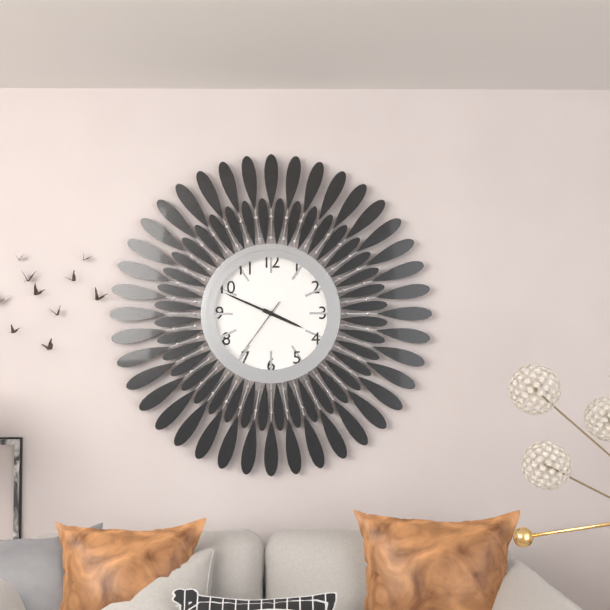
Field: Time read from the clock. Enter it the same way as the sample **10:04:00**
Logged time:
**3:49:36**
